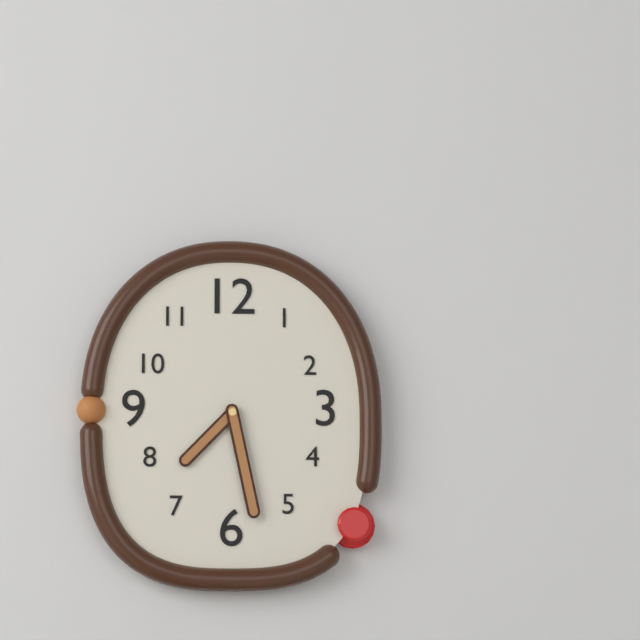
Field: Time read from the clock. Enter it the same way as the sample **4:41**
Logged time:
**7:28**
